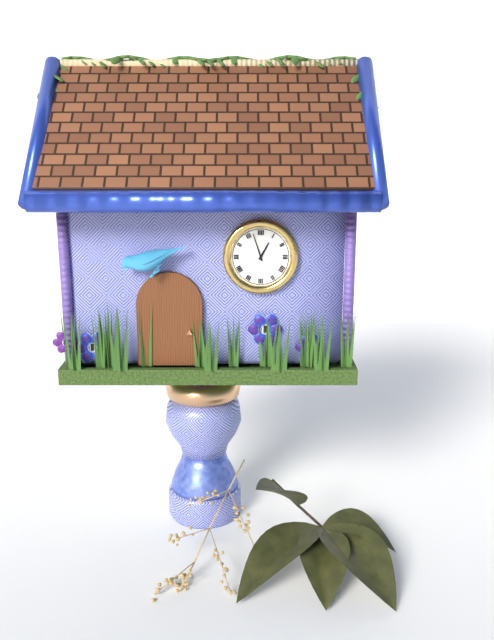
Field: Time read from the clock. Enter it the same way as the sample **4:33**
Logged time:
**12:57**
